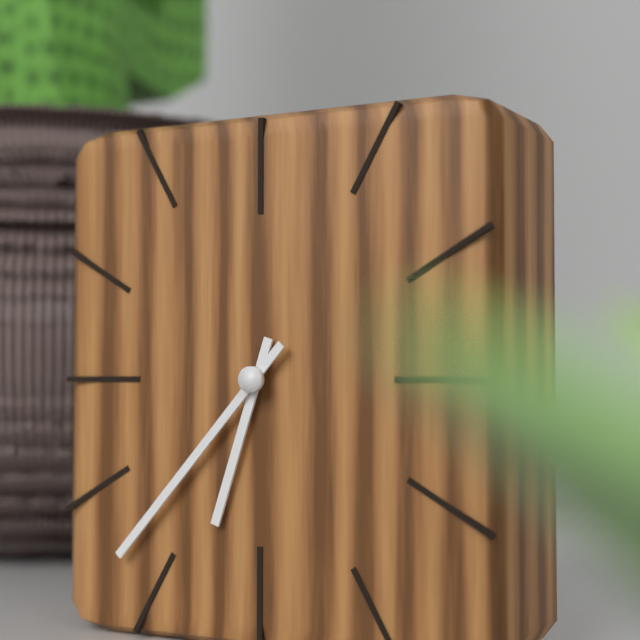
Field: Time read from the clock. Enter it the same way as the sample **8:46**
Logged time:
**6:37**
